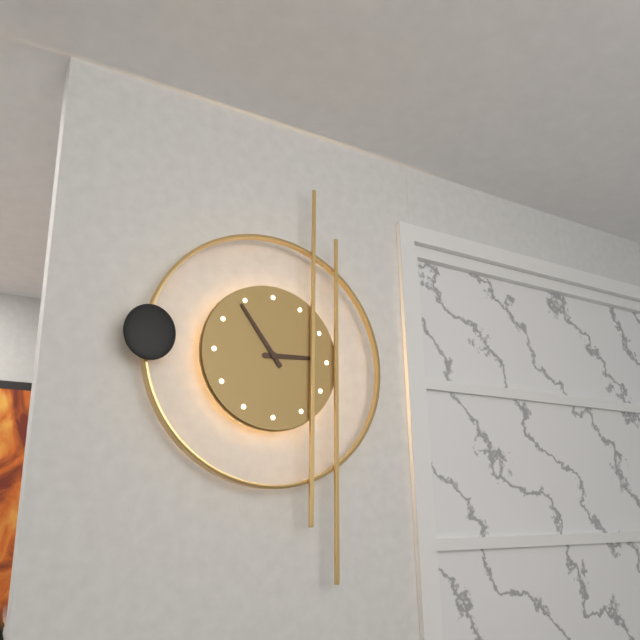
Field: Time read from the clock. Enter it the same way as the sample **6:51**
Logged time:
**2:54**
